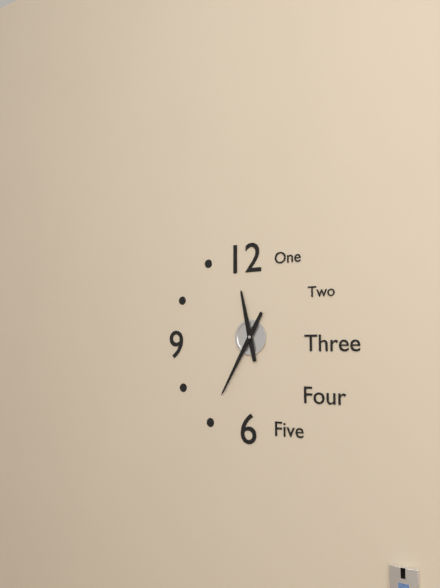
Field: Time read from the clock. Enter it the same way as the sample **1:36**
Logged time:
**11:35**
